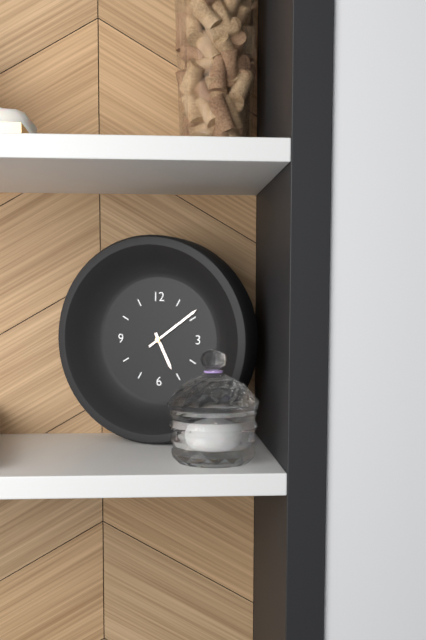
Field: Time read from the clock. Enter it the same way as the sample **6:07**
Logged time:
**5:09**
